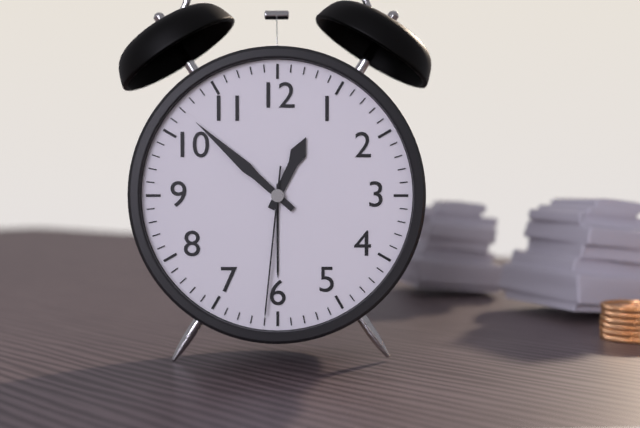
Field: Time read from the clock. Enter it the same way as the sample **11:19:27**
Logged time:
**12:52:31**
